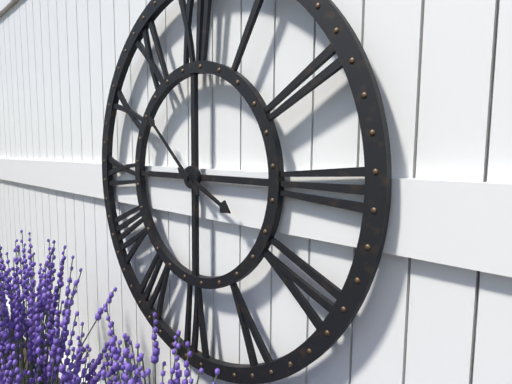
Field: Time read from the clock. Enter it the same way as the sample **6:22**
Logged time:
**3:52**
